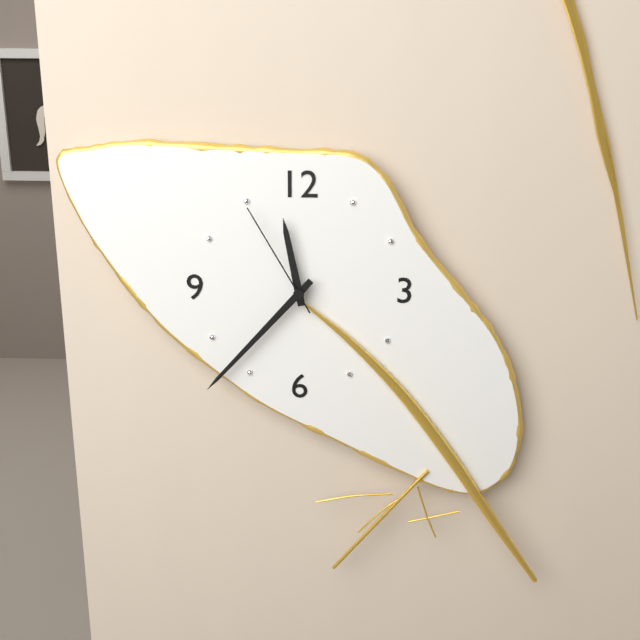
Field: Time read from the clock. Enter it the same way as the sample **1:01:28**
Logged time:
**11:37:55**
